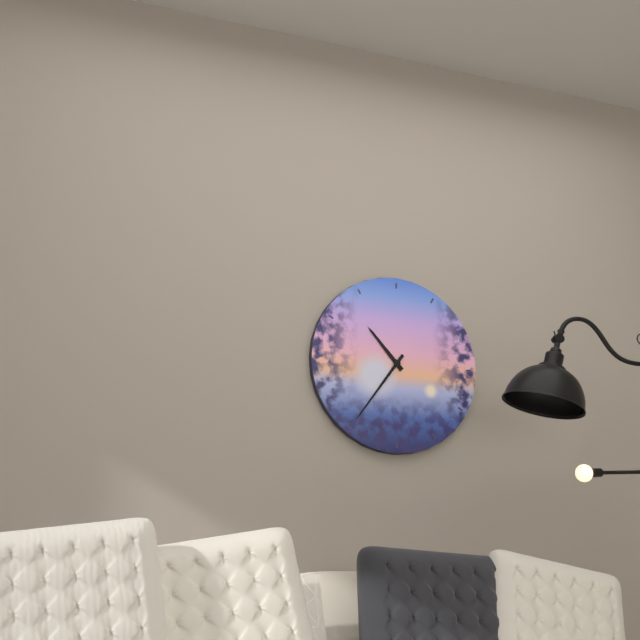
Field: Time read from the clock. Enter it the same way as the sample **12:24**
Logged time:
**10:36**
